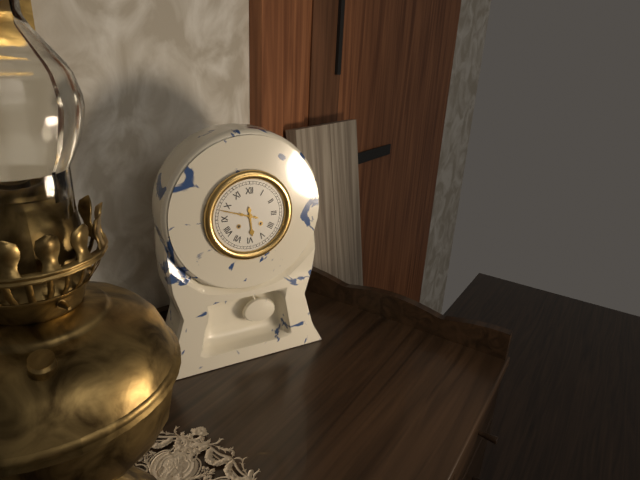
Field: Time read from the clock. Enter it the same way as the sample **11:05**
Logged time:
**5:48**
